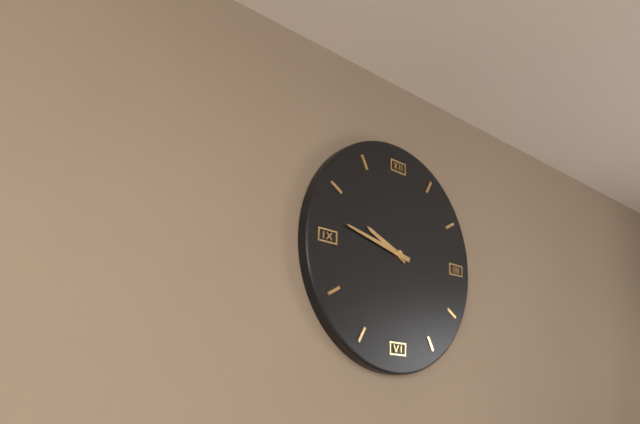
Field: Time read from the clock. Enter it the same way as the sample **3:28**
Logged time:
**9:47**
